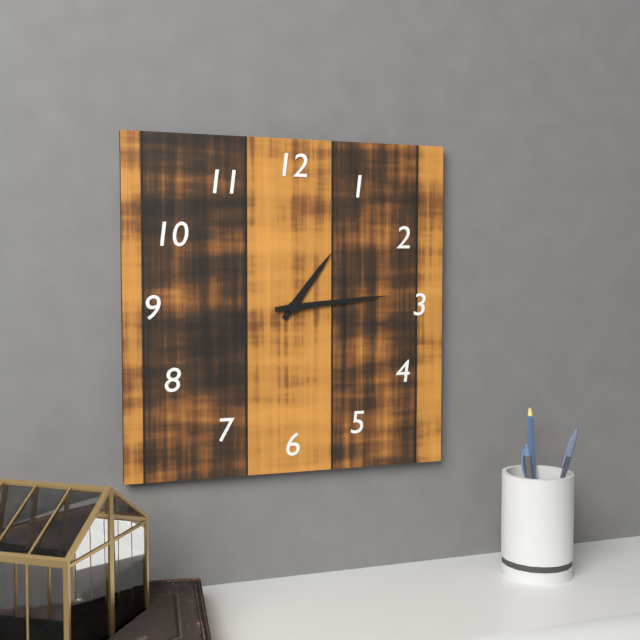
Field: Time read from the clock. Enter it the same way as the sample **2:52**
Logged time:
**1:14**
